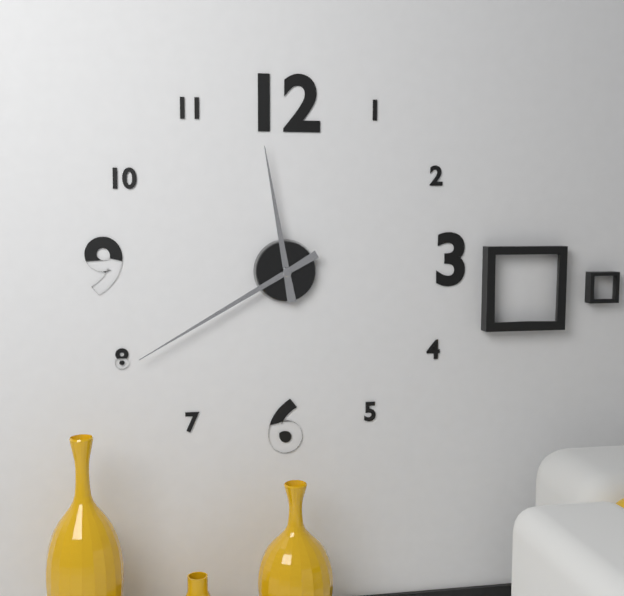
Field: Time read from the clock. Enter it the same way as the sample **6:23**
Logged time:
**11:40**
